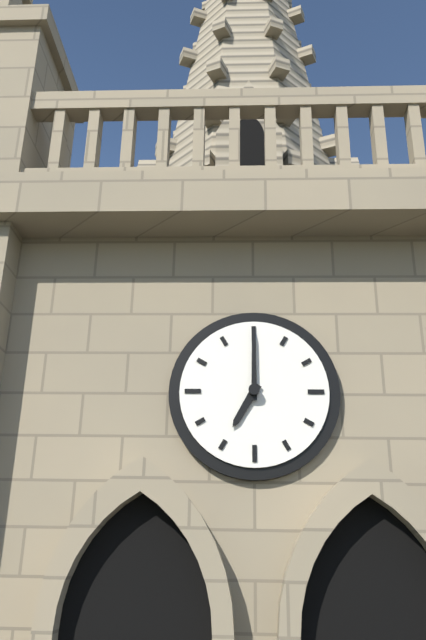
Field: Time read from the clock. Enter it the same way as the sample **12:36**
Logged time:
**7:00**
